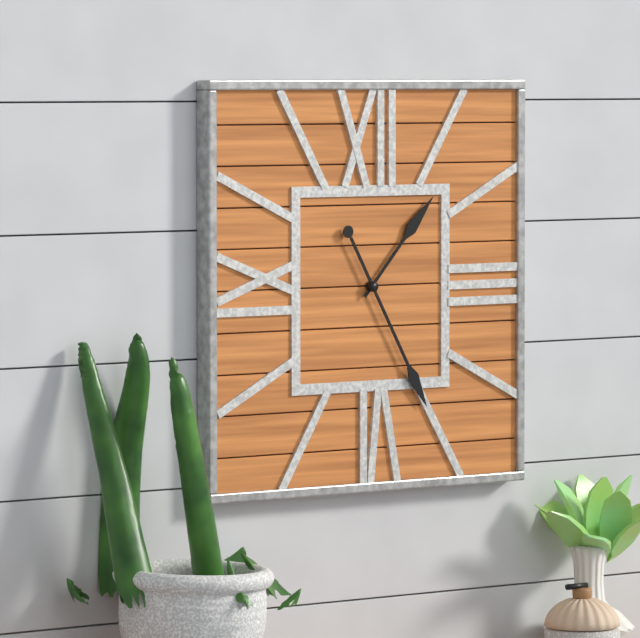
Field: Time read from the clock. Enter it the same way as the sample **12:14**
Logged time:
**1:25**
